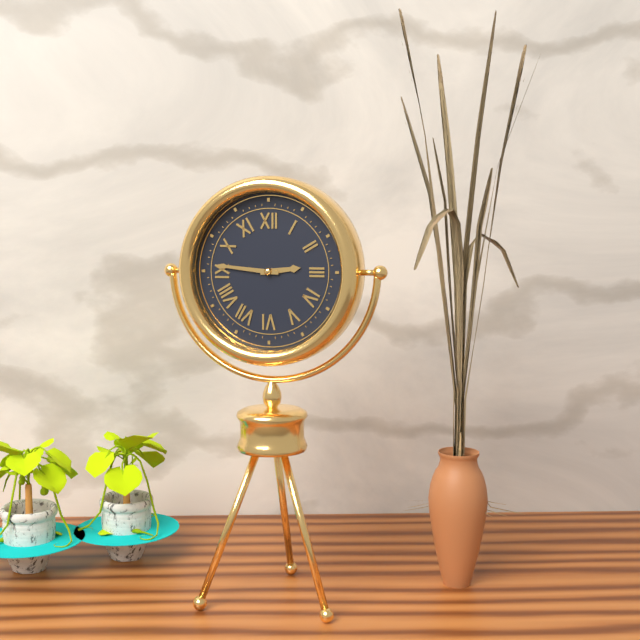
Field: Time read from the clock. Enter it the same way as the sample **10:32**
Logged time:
**2:46**
